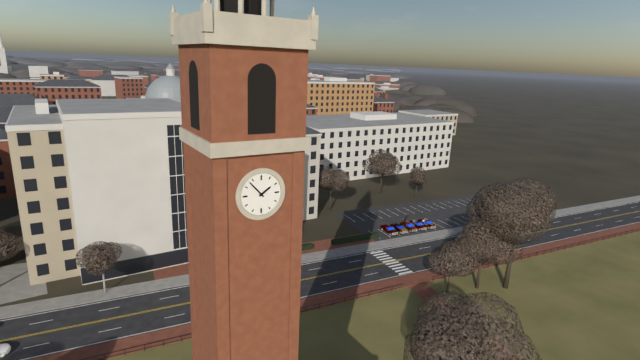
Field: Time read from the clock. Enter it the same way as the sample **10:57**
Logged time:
**1:53**
